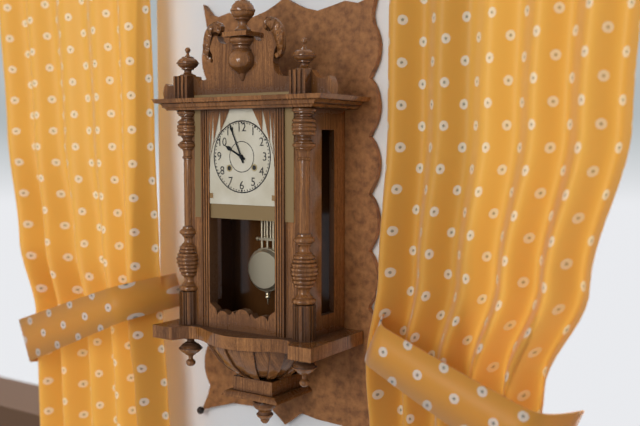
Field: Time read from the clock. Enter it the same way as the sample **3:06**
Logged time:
**9:56**
